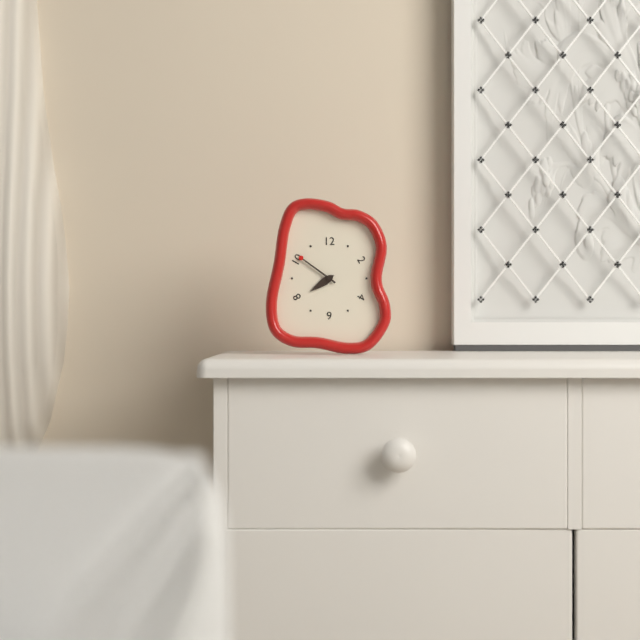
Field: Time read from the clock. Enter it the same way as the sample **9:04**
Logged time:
**7:51**
